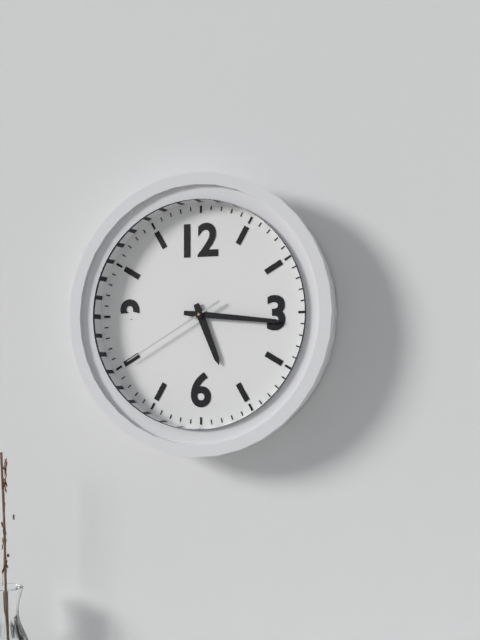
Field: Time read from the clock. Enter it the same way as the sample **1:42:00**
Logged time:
**5:16:40**
